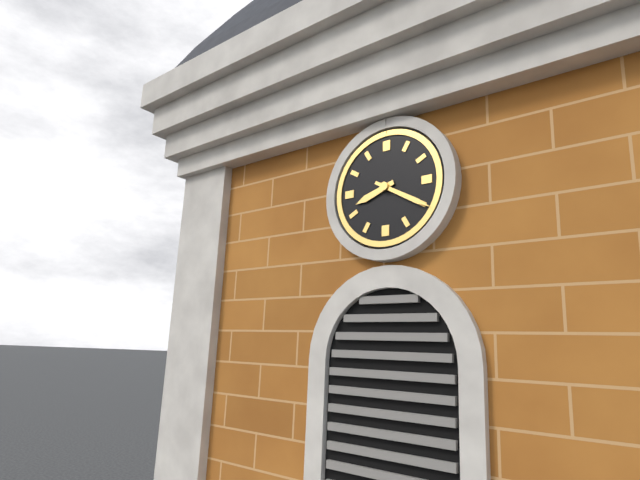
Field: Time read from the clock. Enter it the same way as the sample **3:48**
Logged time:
**8:20**
